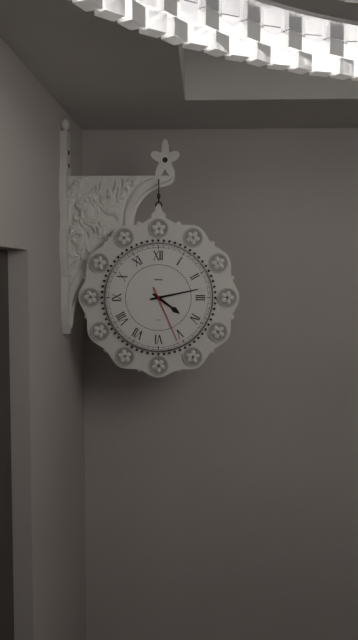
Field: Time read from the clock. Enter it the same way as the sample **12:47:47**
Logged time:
**4:13:26**
